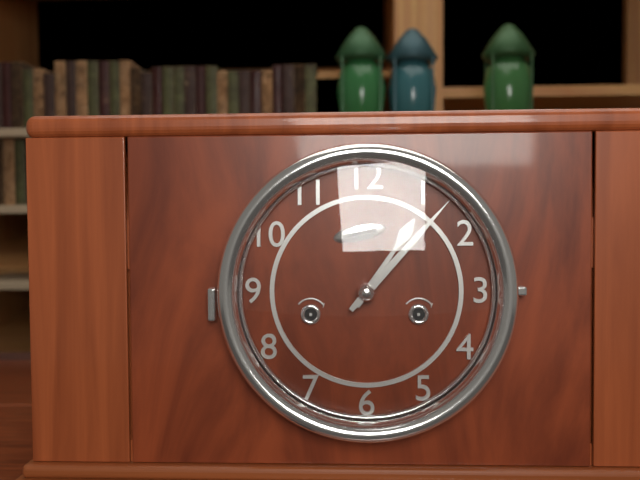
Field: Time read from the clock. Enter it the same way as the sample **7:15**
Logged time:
**1:07**
